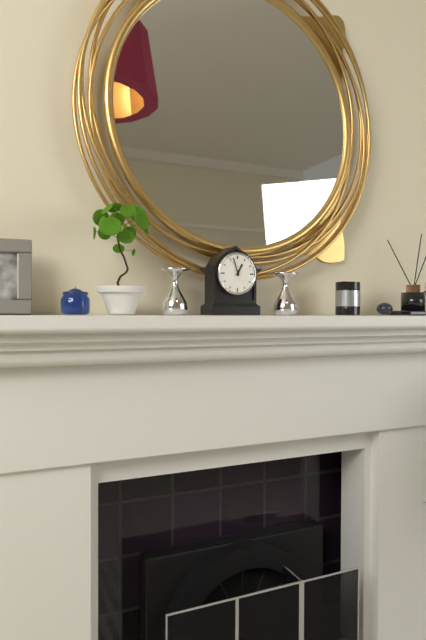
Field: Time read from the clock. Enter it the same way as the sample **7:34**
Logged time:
**12:57**
